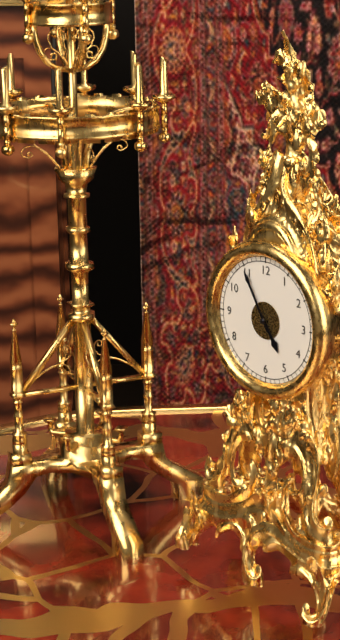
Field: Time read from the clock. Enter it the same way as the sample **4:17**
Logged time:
**4:55**
